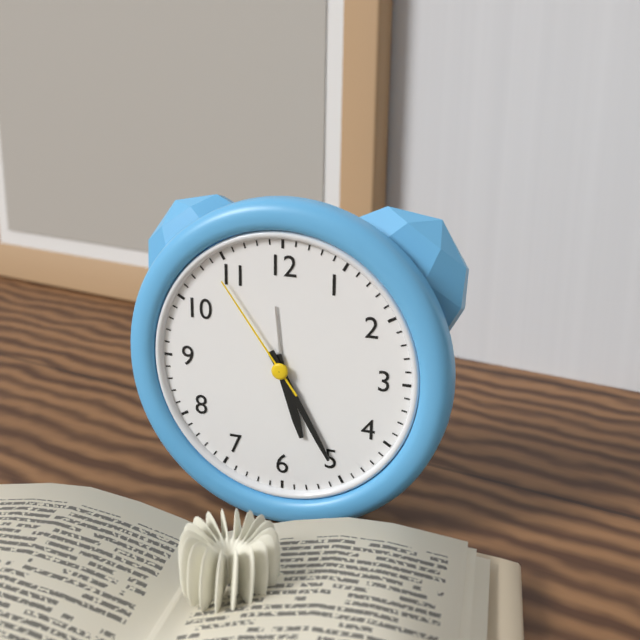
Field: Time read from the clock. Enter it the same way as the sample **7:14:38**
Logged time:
**5:25:54**
